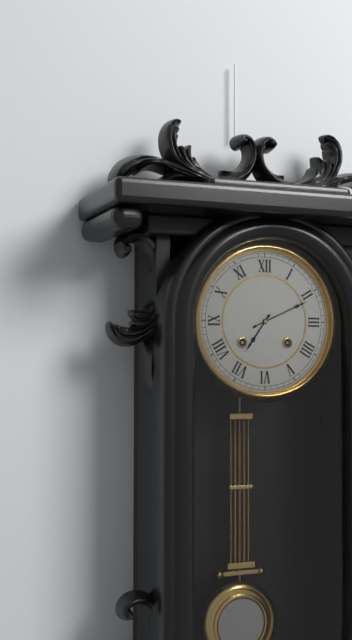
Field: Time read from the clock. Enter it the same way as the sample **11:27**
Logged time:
**7:11**
